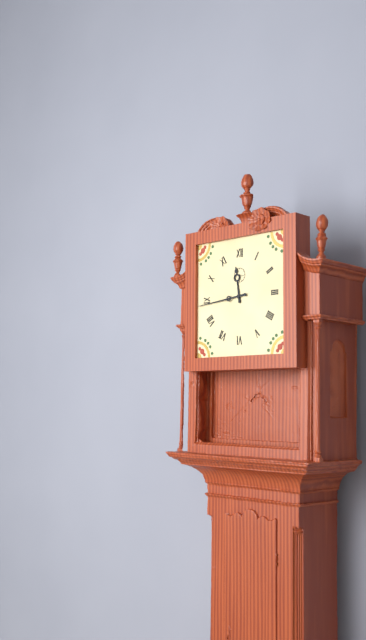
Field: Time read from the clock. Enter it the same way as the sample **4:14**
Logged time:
**11:44**
